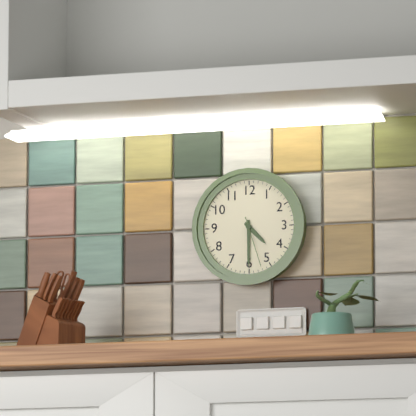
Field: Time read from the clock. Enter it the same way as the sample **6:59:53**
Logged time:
**4:30:27**
